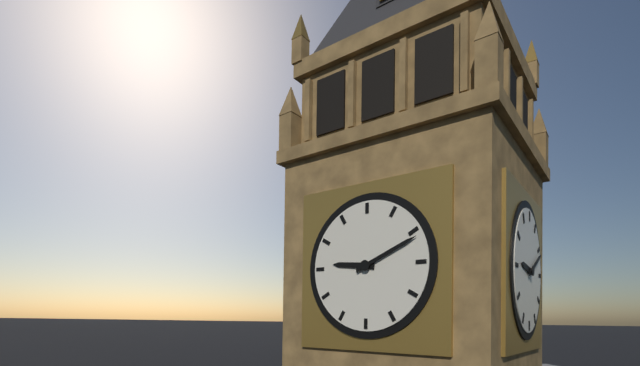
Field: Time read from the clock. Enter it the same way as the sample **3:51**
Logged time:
**9:11**
